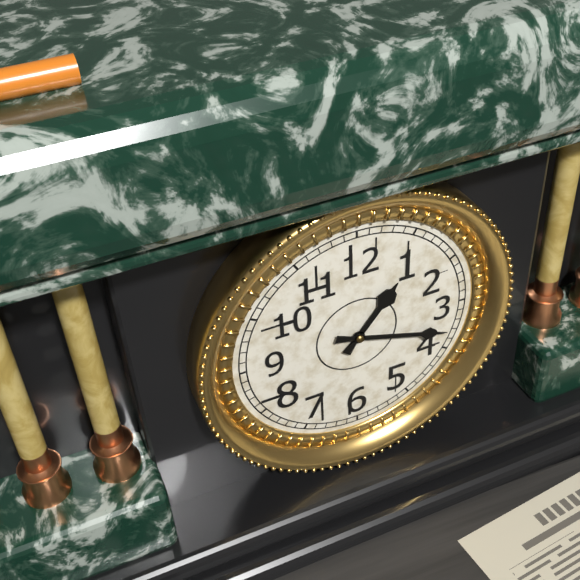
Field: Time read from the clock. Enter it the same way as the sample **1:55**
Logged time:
**1:18**
